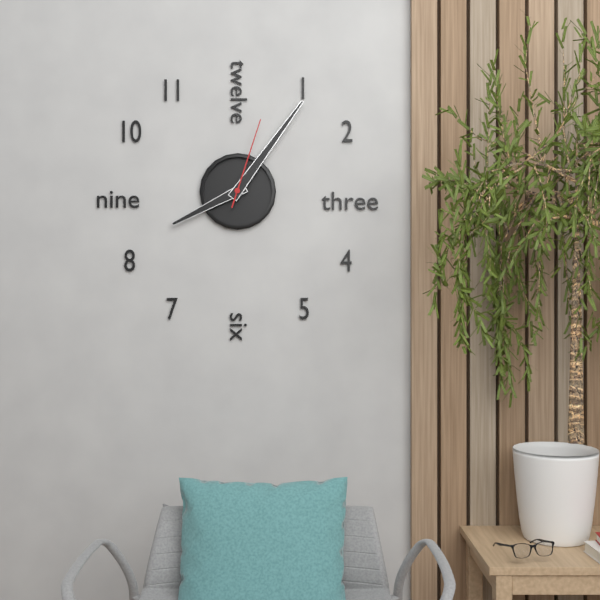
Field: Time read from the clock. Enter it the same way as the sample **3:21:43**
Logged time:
**8:06:03**
